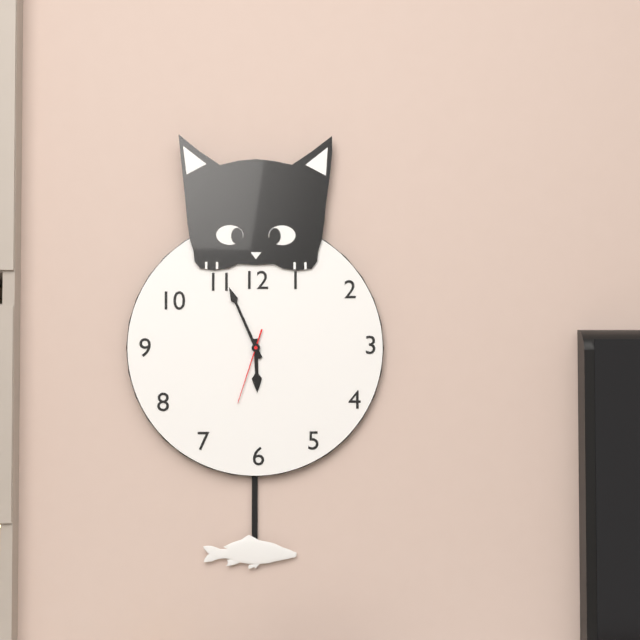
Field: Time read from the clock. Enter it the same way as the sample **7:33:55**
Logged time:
**5:56:33**
